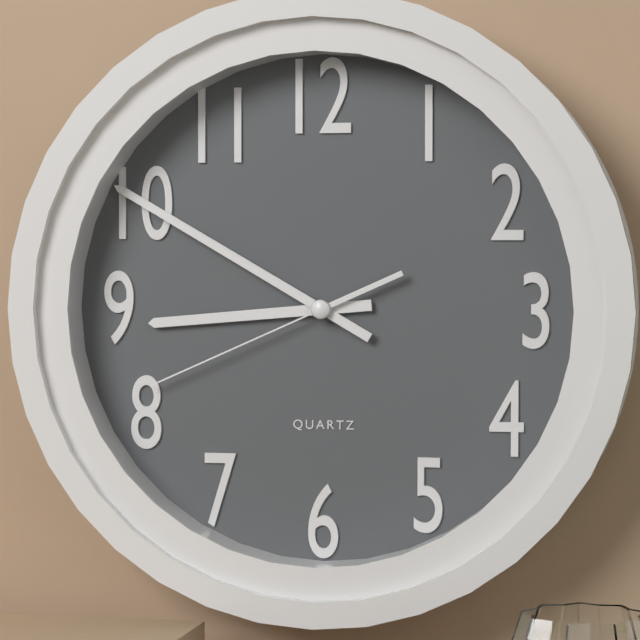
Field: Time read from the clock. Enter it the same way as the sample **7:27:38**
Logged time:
**8:50:41**
